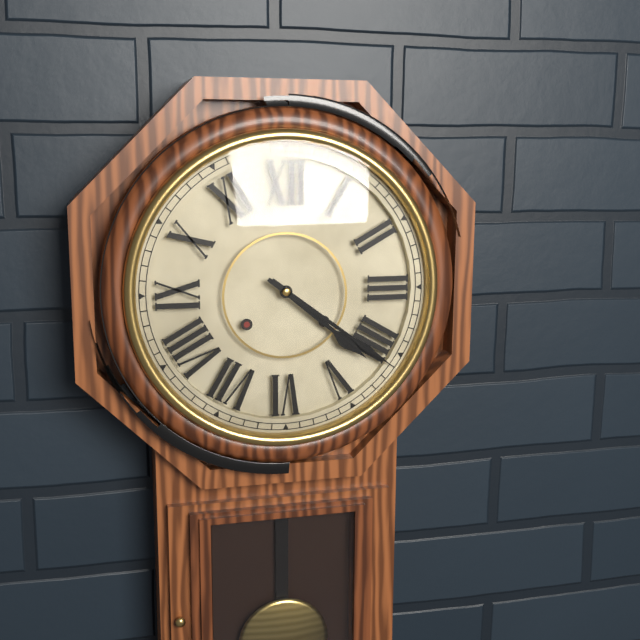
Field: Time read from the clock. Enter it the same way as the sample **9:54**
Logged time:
**4:21**
